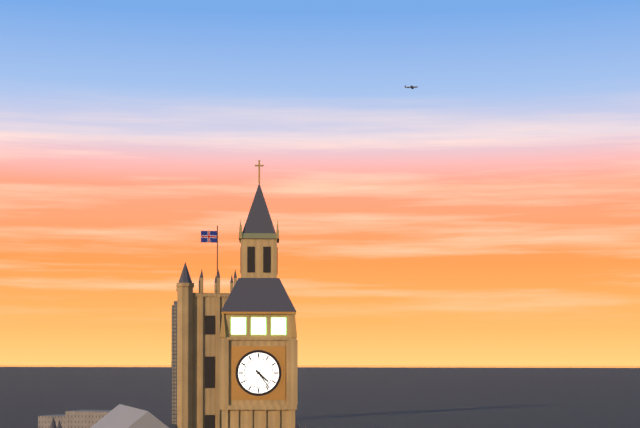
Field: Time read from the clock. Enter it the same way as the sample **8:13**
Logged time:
**4:24**
